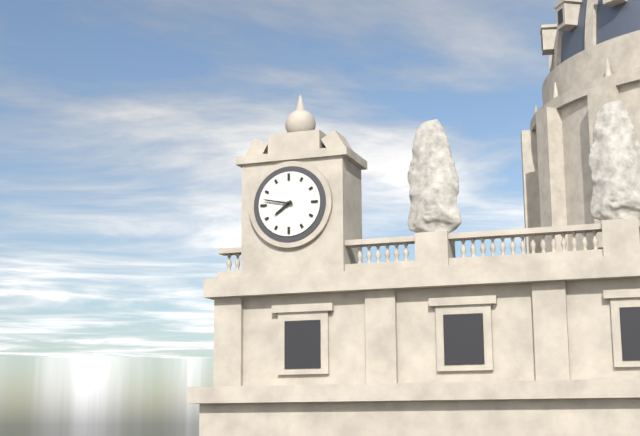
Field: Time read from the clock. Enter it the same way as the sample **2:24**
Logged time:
**7:47**
